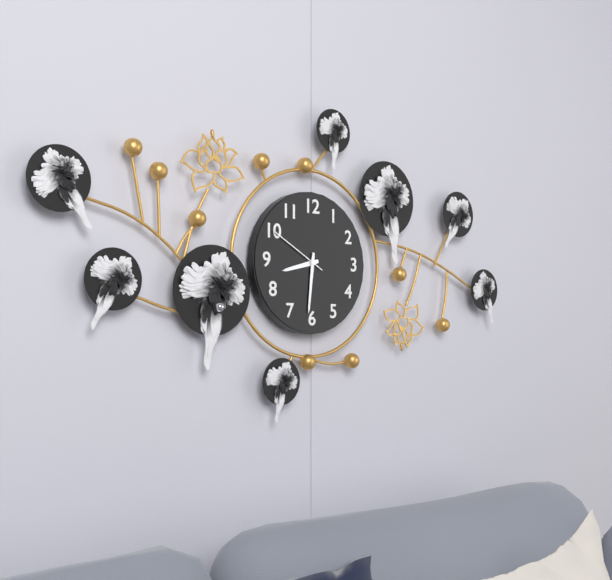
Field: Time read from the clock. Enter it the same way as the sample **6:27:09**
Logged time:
**8:31:50**
